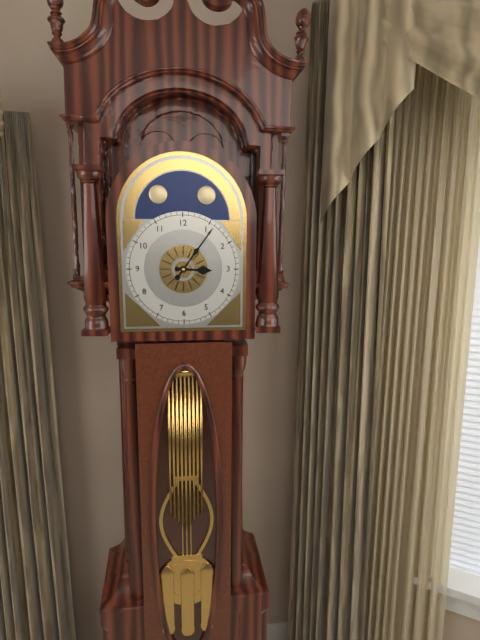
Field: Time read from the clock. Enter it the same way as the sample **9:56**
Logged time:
**3:06**
